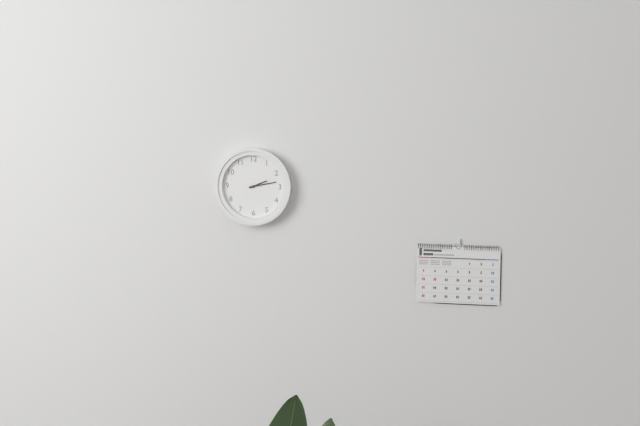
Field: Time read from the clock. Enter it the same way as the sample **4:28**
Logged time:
**2:13**
